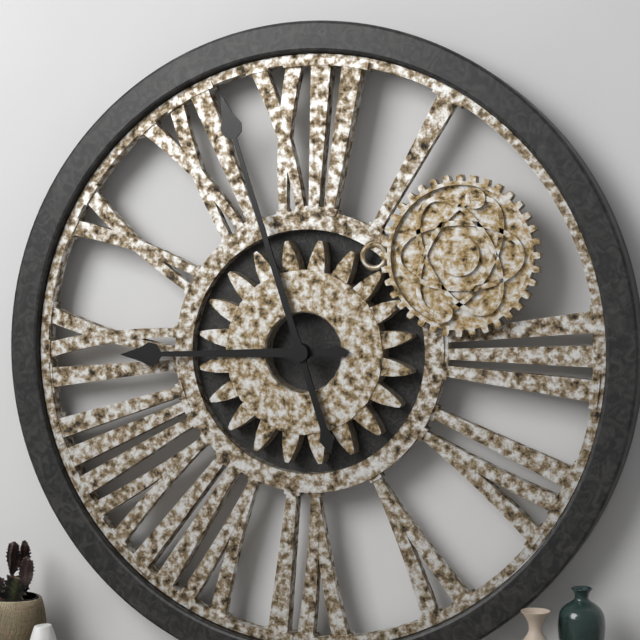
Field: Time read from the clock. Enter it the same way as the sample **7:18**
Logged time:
**8:57**
